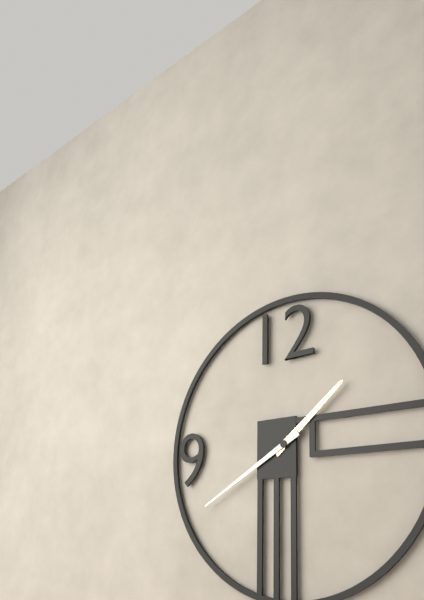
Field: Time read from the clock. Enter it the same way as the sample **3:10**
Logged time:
**1:40**
